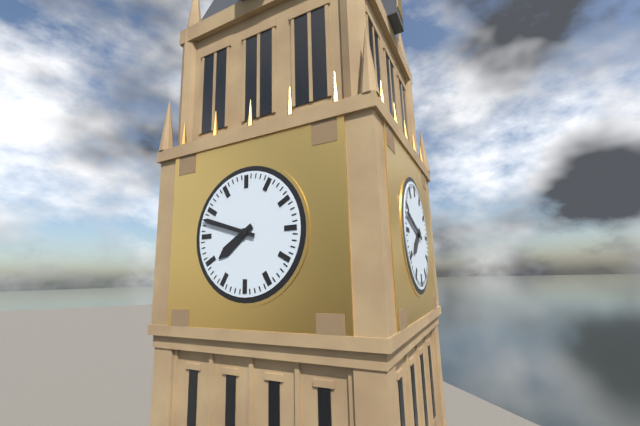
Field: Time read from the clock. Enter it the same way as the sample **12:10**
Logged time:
**7:48**
